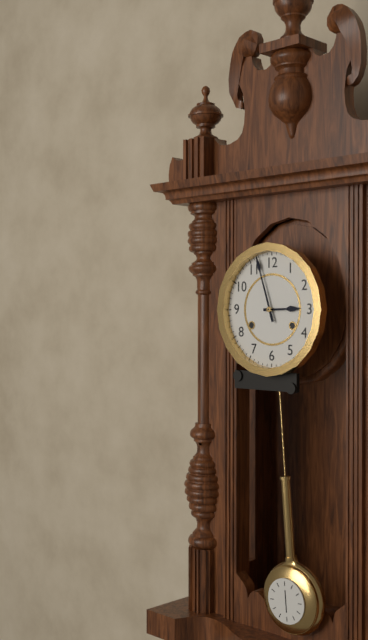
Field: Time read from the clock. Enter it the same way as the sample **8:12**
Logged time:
**2:57**
